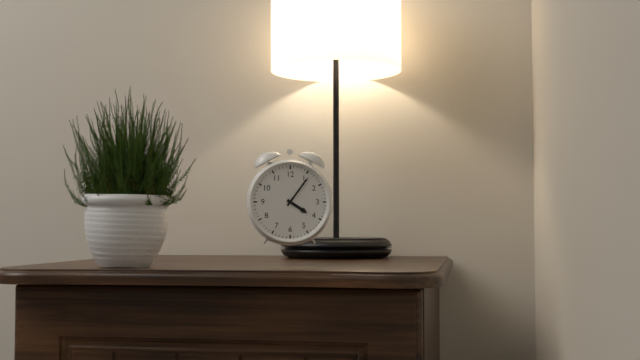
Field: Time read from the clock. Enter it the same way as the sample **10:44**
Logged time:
**4:06**
